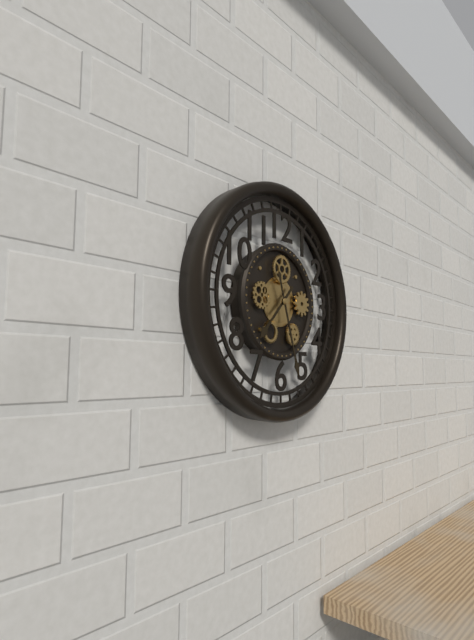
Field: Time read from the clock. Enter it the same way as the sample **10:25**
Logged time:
**7:27**
